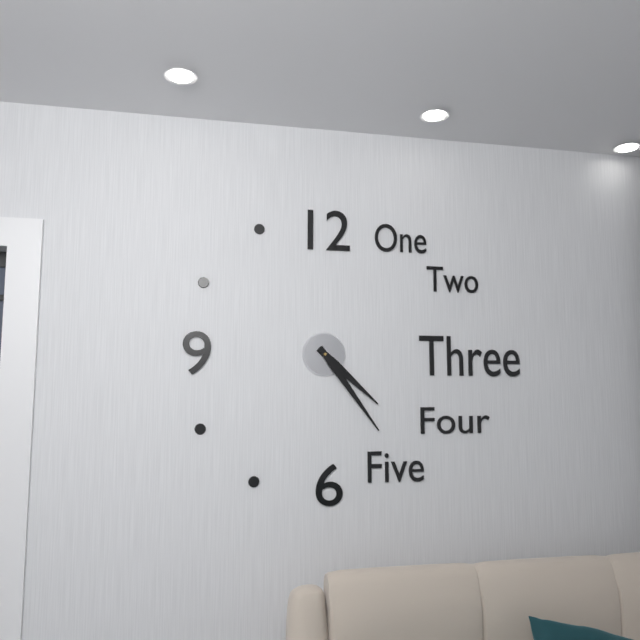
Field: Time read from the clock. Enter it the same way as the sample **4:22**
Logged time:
**4:24**
